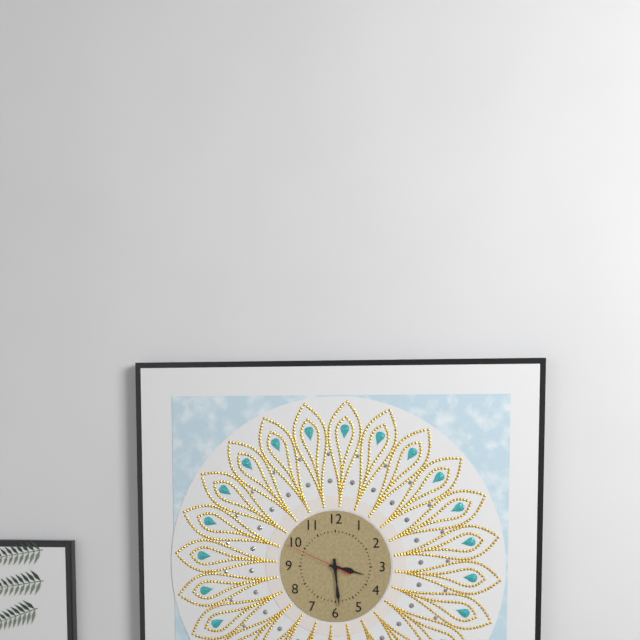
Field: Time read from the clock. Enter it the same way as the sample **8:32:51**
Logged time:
**3:29:49**
